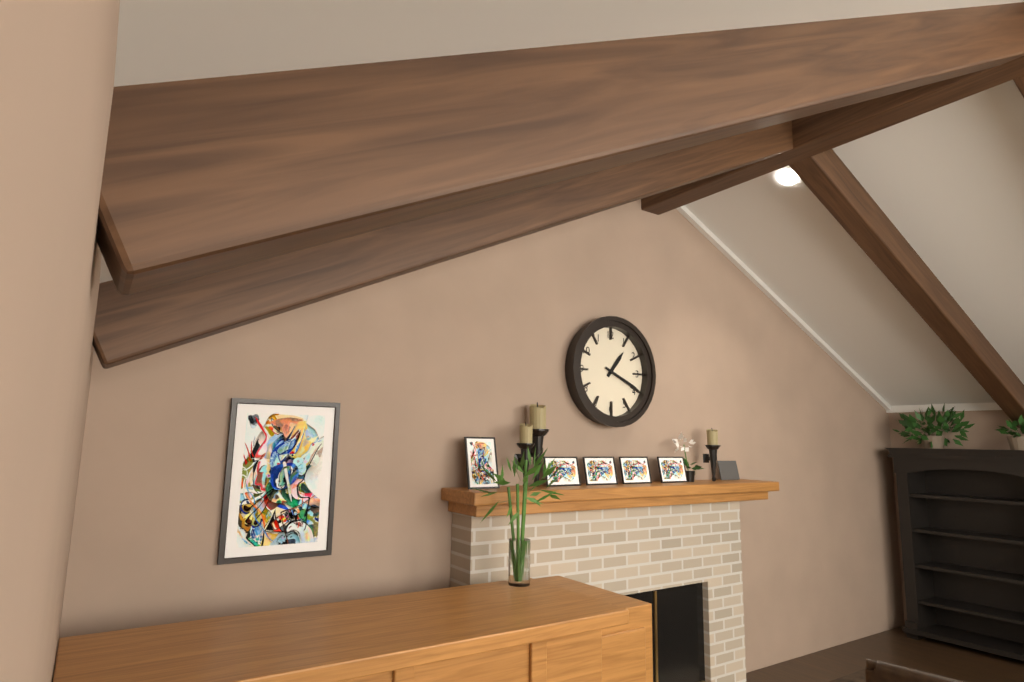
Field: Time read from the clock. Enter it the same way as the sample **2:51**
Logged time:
**1:19**
